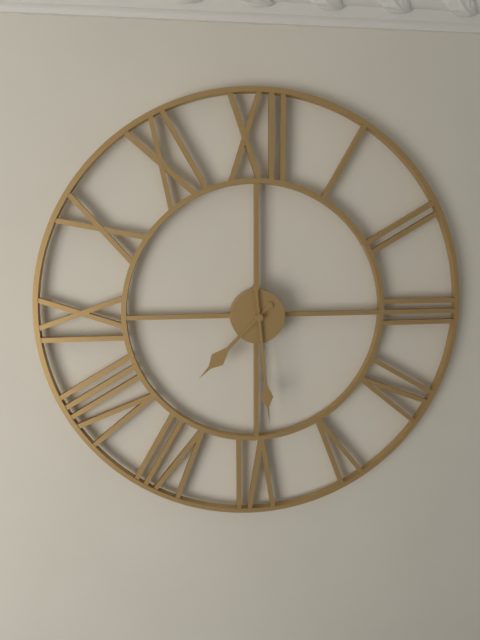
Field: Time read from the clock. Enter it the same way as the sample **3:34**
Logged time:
**7:29**
